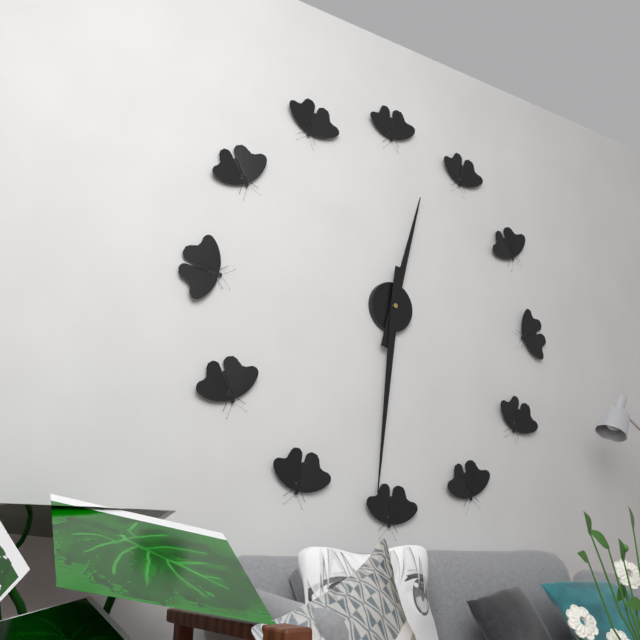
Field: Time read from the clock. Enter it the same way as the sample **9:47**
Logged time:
**12:31**
